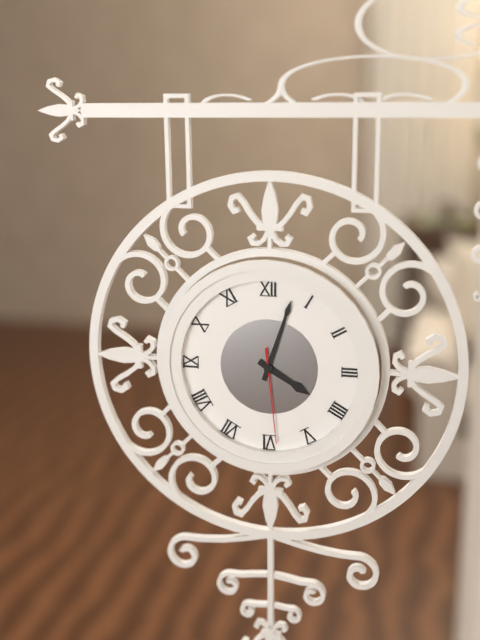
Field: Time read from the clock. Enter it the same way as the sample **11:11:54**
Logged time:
**4:03:29**
